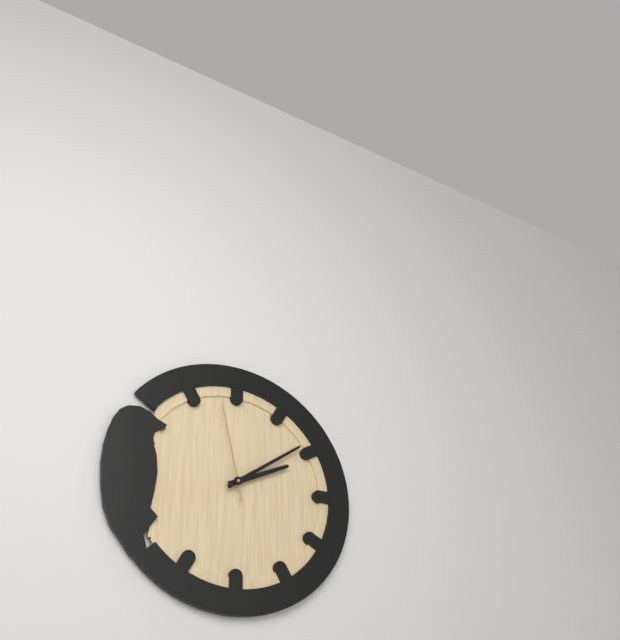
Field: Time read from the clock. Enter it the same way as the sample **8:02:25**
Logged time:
**2:09:58**
